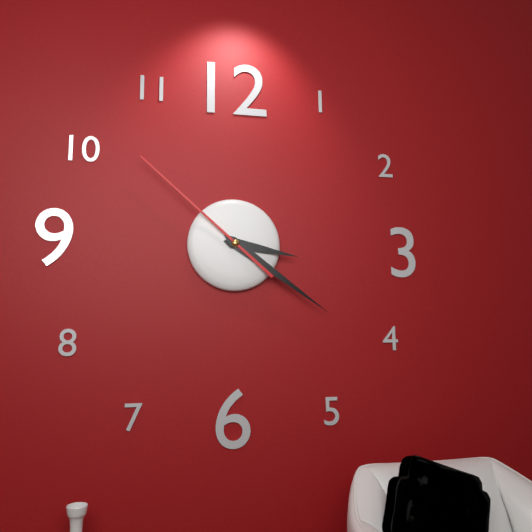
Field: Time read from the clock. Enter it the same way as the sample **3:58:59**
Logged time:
**3:21:52**
